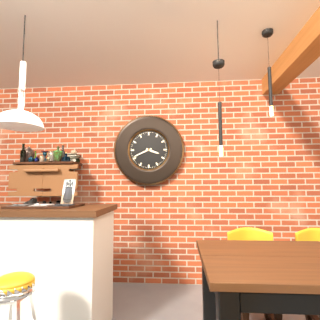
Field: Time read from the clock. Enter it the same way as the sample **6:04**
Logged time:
**3:41**
